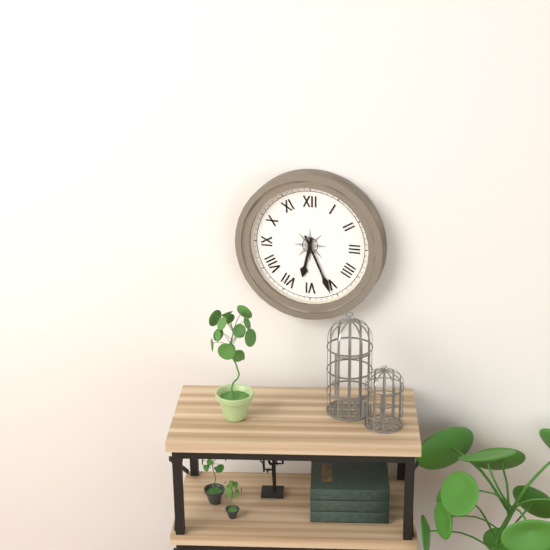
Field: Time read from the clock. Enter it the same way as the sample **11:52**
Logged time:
**6:26**
